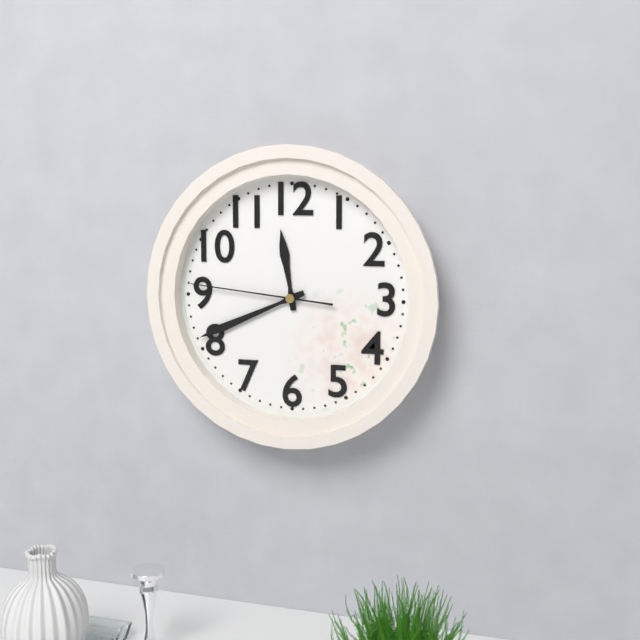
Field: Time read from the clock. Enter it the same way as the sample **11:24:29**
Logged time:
**11:41:46**
